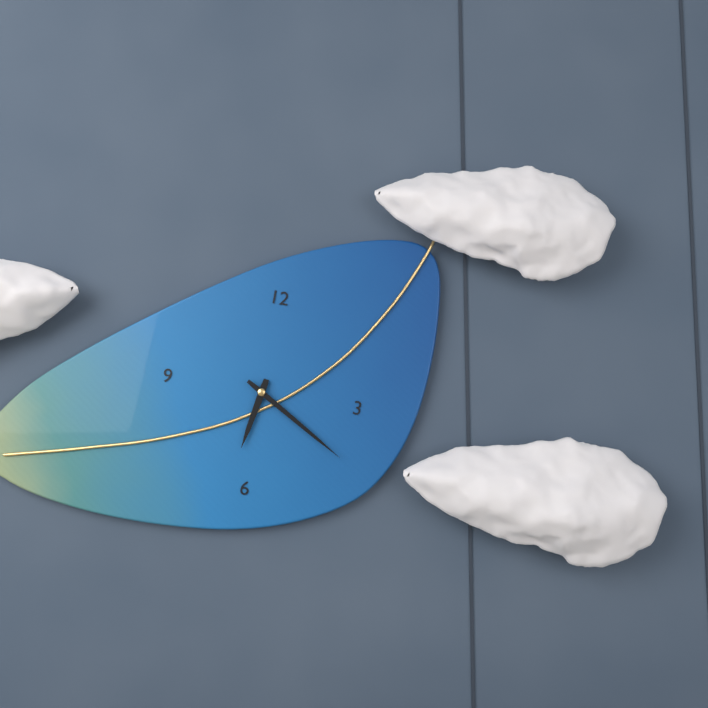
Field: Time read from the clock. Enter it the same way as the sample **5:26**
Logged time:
**6:20**
